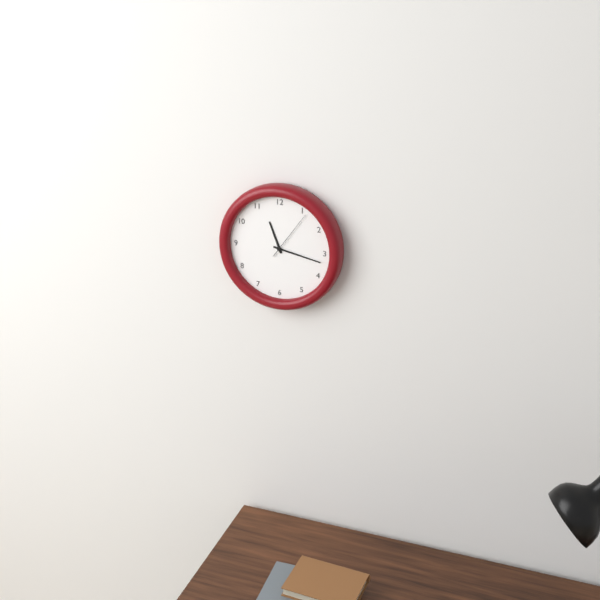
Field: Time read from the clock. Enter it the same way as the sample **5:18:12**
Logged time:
**11:17:06**
